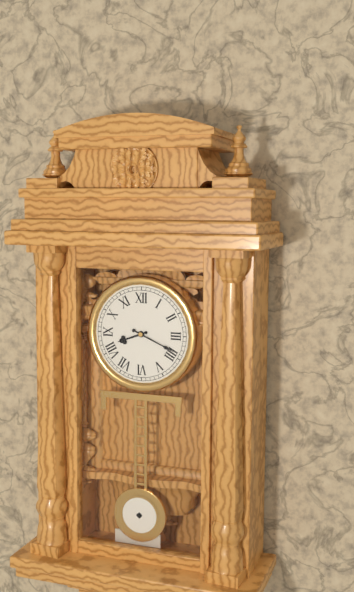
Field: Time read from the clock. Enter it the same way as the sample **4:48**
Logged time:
**8:19**
